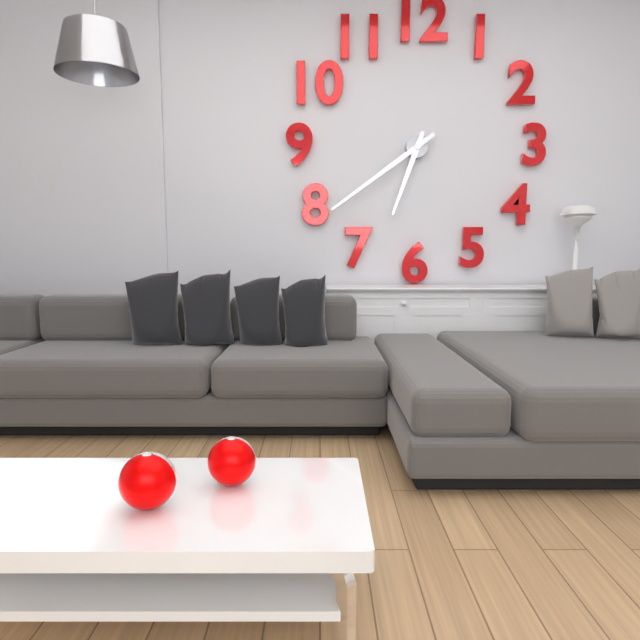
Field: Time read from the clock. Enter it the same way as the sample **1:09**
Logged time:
**6:39**
